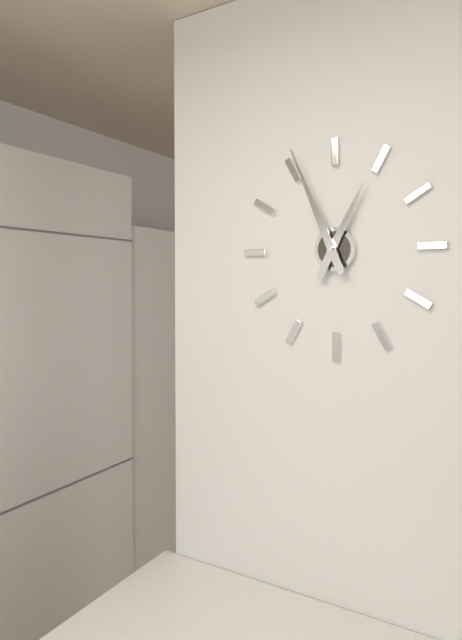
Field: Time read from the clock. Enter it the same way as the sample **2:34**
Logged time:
**12:56**
